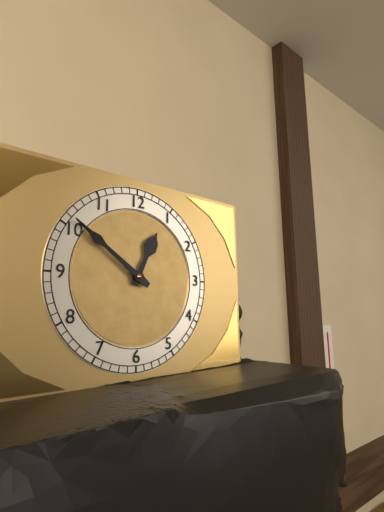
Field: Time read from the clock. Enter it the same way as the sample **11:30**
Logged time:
**12:51**
